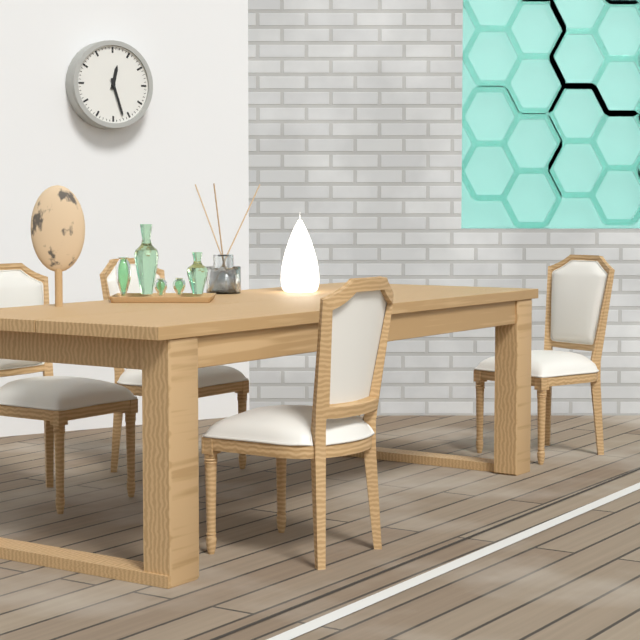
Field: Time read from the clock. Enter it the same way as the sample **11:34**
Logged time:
**12:27**
